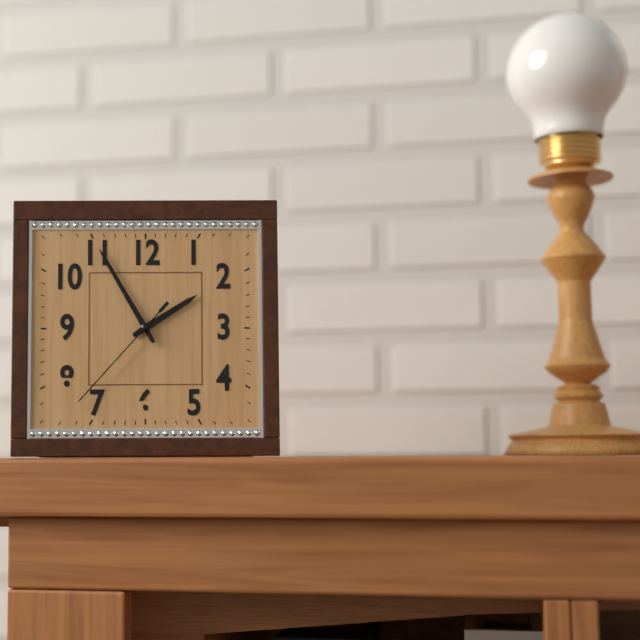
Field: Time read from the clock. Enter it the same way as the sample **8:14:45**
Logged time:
**1:55:37**
